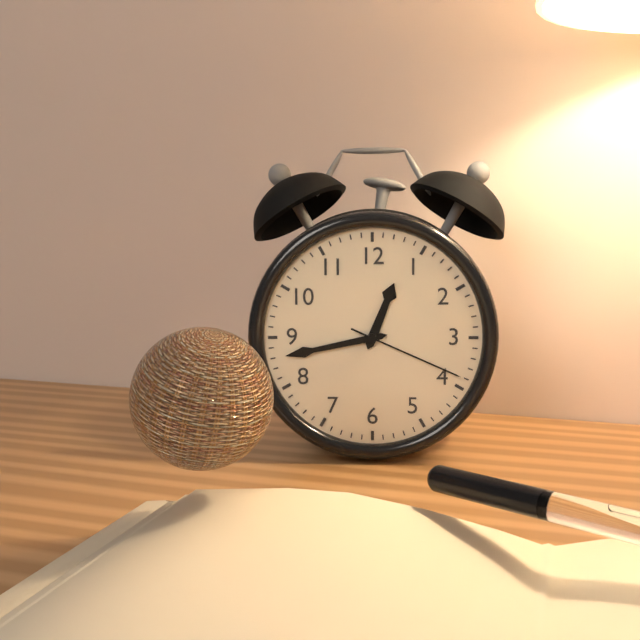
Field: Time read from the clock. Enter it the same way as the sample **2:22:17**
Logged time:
**12:43:19**
